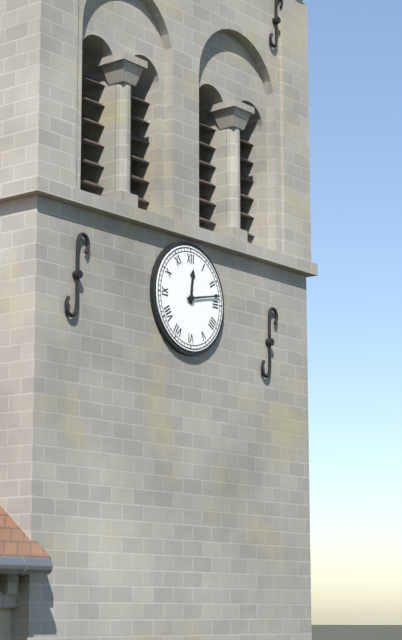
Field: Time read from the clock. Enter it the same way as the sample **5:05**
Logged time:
**12:13**
